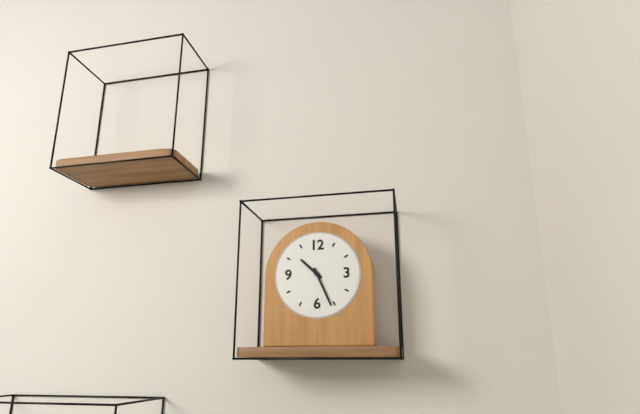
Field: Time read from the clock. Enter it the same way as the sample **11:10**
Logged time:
**10:26**
